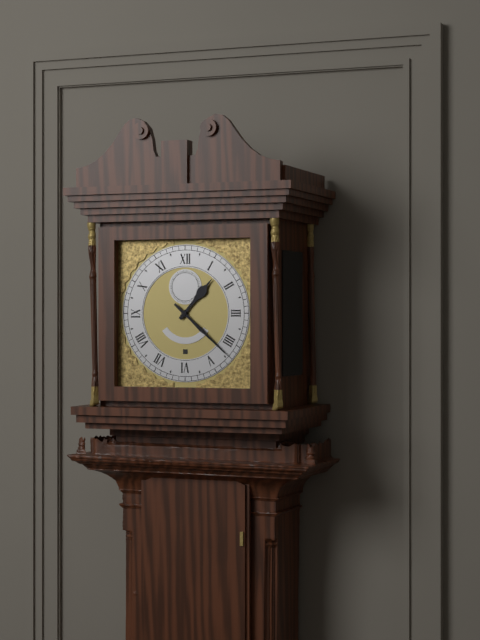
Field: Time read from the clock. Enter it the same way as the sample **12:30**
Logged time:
**1:22**
